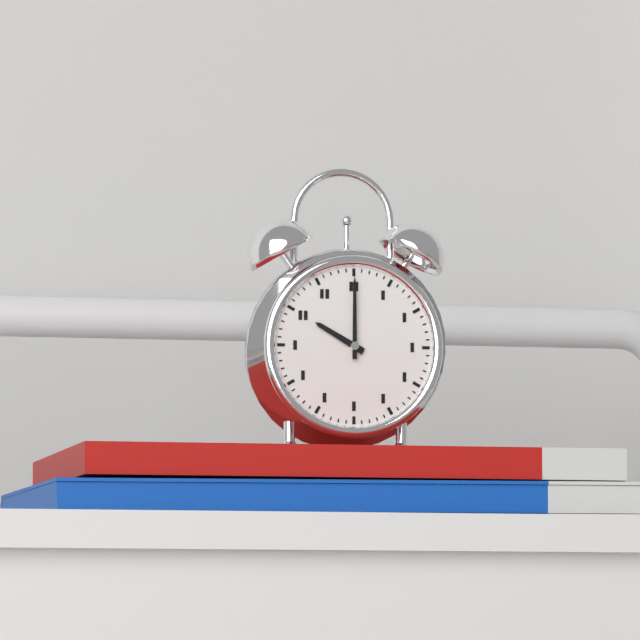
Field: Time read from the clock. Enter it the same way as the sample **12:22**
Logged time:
**10:00**
